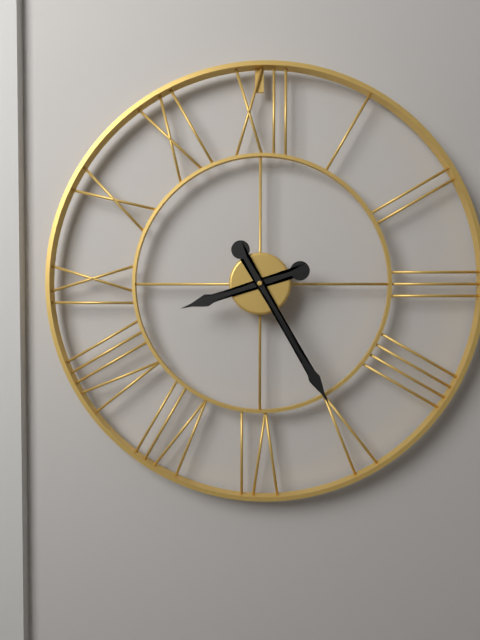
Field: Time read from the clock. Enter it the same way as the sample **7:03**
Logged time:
**8:25**
